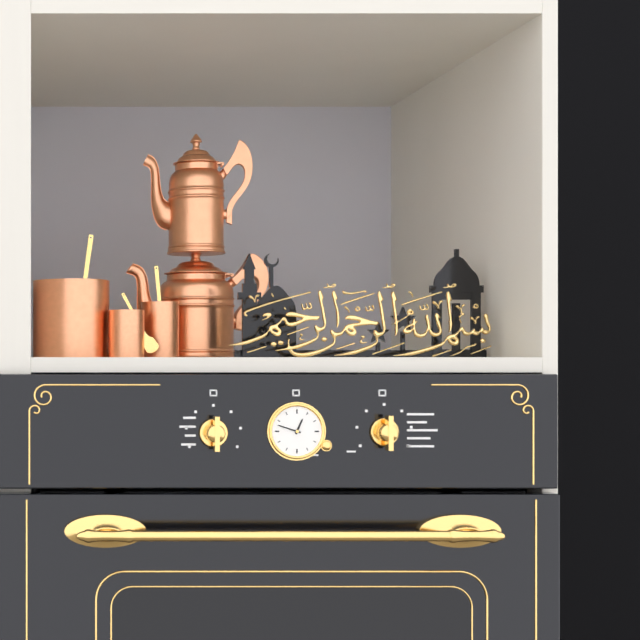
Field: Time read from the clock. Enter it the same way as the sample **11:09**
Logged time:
**12:48**
